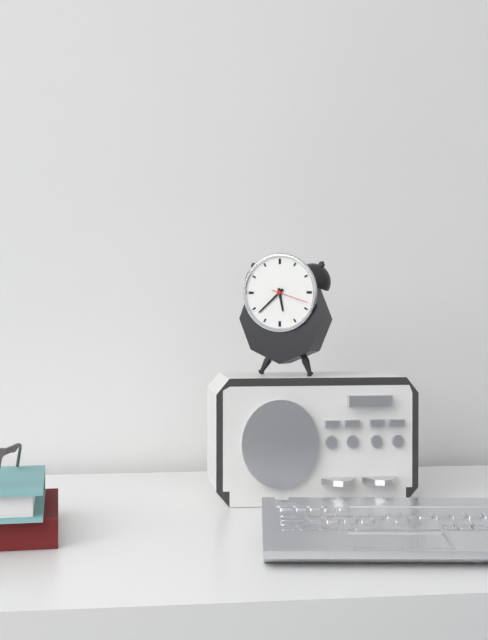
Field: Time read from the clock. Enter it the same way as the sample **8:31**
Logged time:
**5:38**
